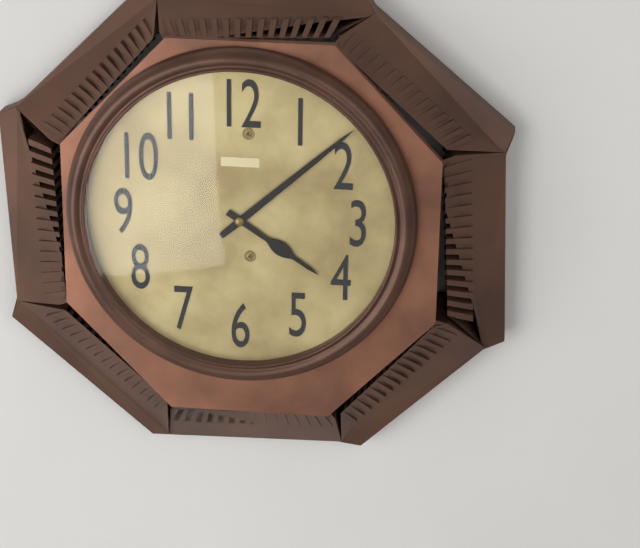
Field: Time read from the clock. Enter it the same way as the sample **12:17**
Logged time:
**4:08**
